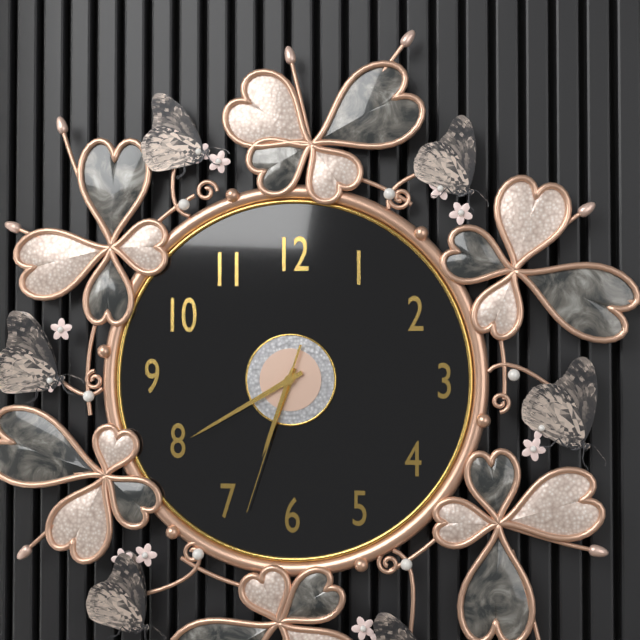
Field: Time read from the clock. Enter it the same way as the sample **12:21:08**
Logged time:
**6:40:33**
